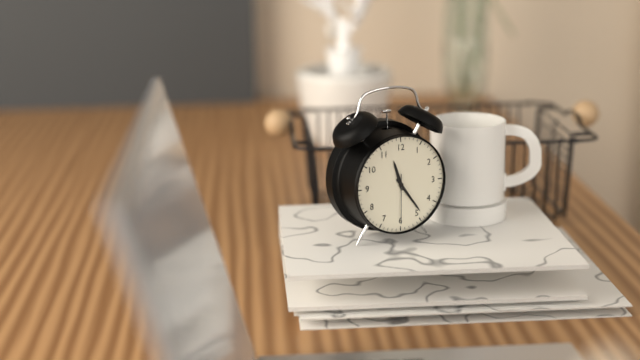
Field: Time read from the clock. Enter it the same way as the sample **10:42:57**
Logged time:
**11:24:30**
